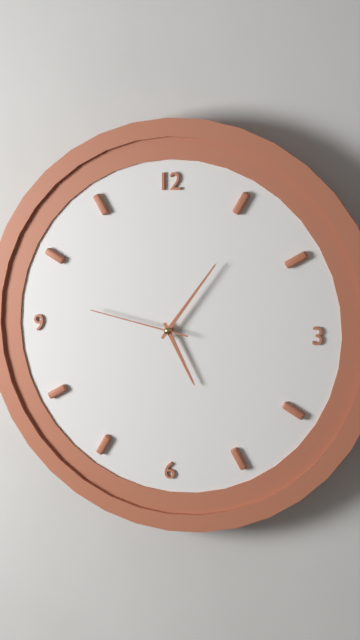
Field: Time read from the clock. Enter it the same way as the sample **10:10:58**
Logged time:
**5:06:47**
